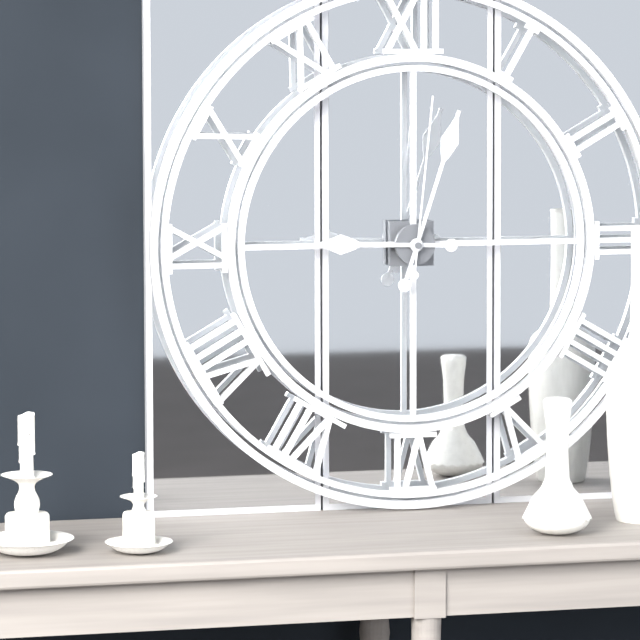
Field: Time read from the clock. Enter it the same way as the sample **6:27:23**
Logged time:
**9:03:01**
